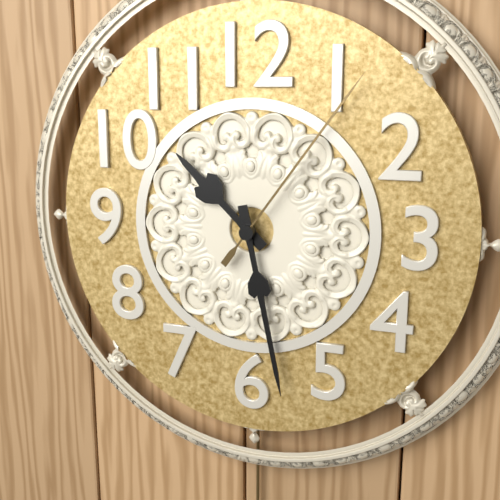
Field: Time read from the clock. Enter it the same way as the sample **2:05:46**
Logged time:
**10:28:06**
